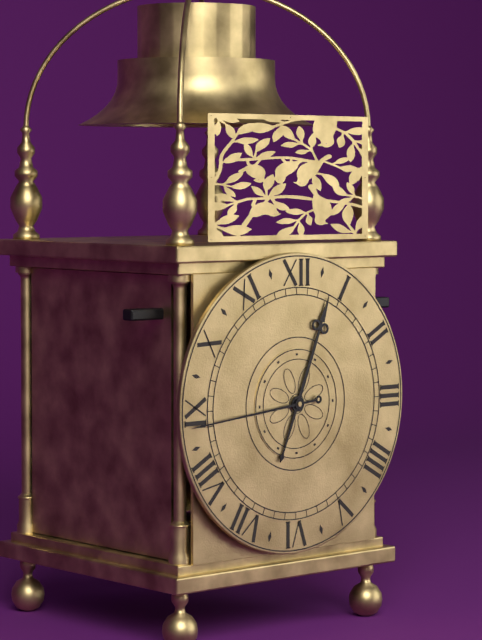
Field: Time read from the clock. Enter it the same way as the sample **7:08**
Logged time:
**12:44**
